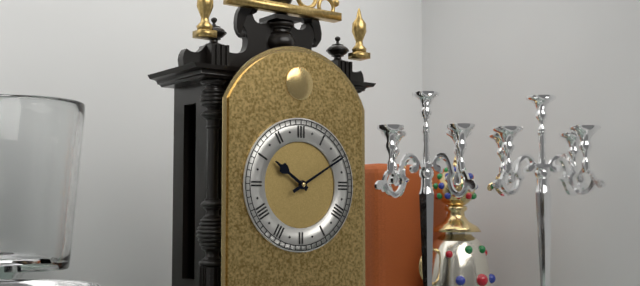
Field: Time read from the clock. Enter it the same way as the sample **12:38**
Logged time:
**10:10**
